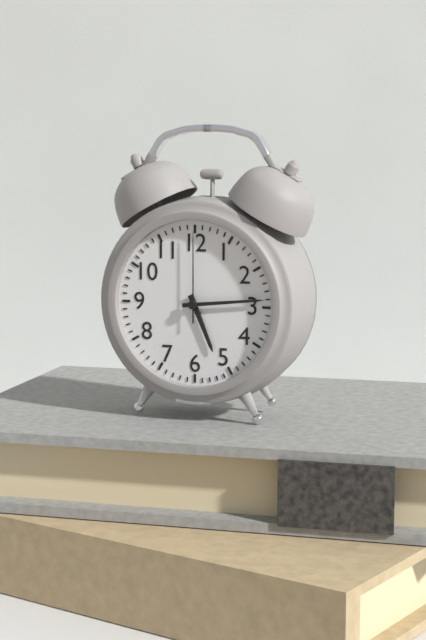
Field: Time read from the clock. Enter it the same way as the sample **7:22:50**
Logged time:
**5:14:00**
